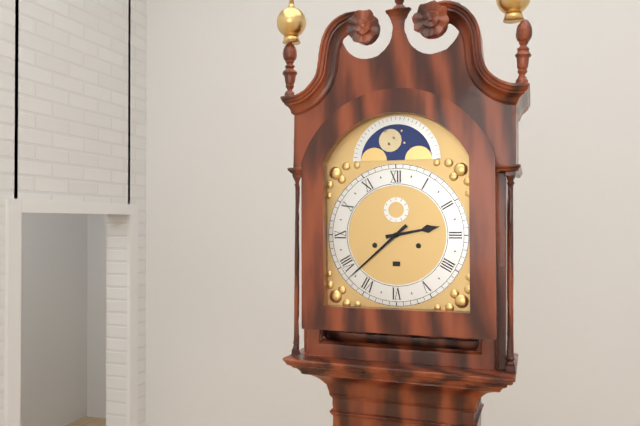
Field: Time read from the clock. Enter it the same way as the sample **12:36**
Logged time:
**2:38**
